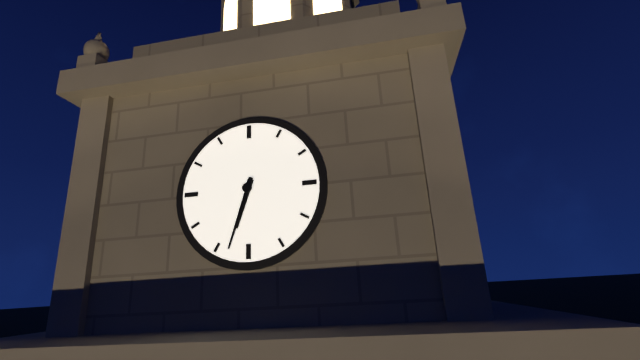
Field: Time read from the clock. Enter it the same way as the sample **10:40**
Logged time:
**6:33**
